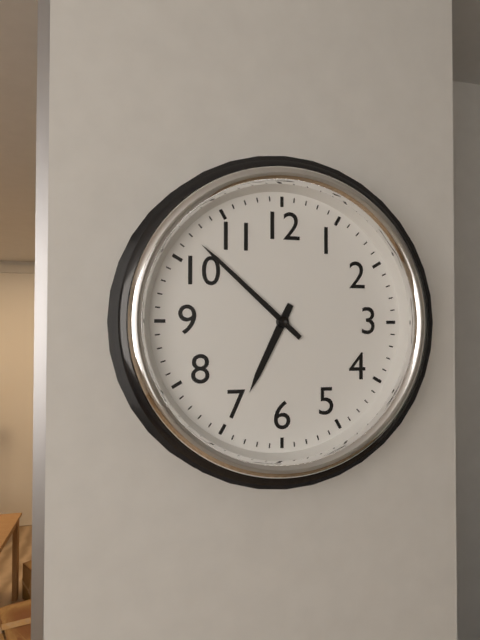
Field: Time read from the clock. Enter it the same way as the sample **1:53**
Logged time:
**6:52**
